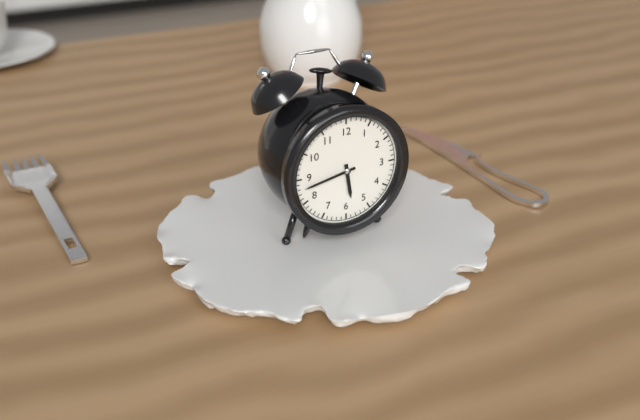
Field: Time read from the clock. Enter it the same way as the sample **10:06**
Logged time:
**5:43**
